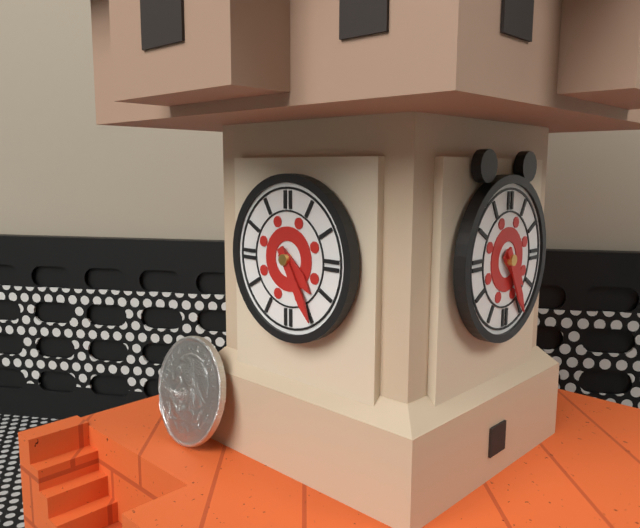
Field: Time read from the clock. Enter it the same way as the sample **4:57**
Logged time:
**4:25**
